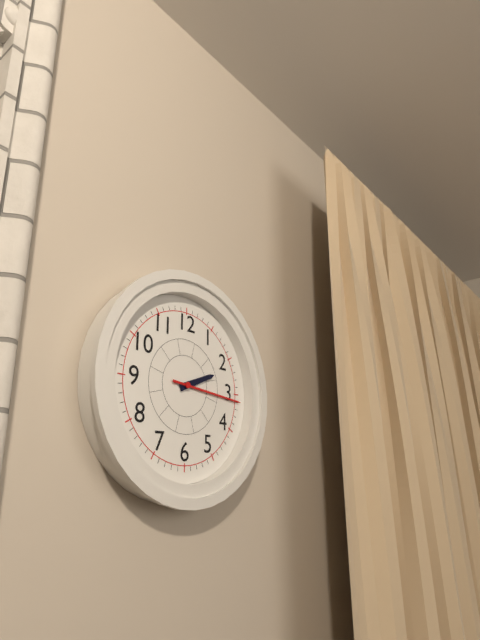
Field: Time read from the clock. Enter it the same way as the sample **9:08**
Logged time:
**2:16**
